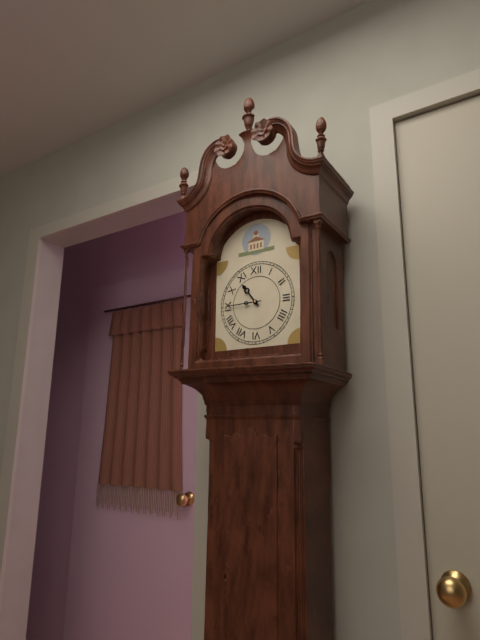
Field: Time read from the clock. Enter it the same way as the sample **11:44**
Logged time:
**10:45**
